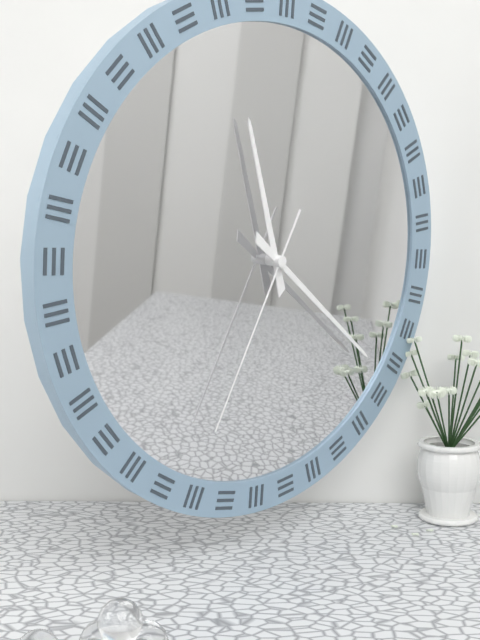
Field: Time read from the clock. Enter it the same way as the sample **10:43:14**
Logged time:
**11:21:34**
